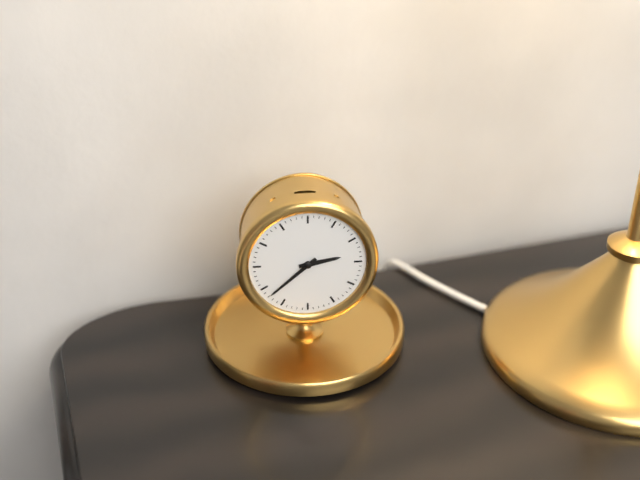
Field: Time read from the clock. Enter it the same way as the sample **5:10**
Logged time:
**2:38**
